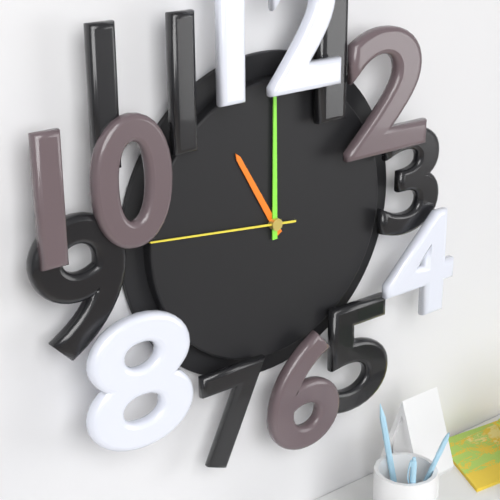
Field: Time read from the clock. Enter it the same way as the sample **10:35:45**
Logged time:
**11:00:46**
